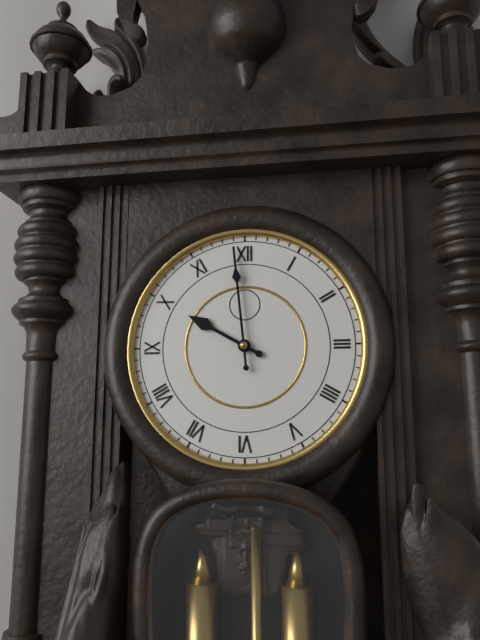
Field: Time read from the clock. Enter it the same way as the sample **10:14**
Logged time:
**9:59**
